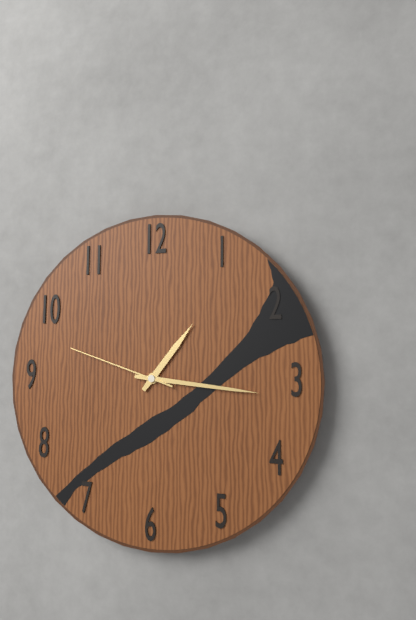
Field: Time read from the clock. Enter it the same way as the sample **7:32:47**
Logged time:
**1:16:48**
